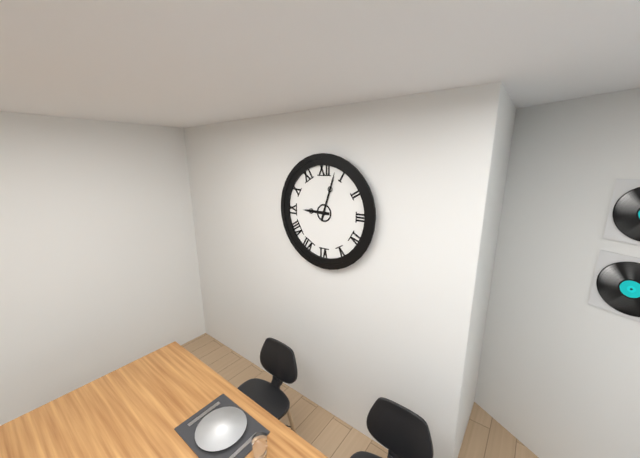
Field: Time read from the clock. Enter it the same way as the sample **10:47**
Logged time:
**9:03**
